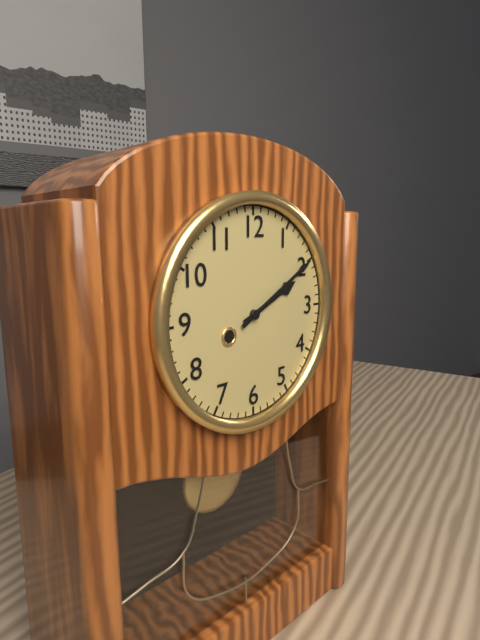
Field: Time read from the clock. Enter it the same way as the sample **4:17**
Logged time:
**2:10**
